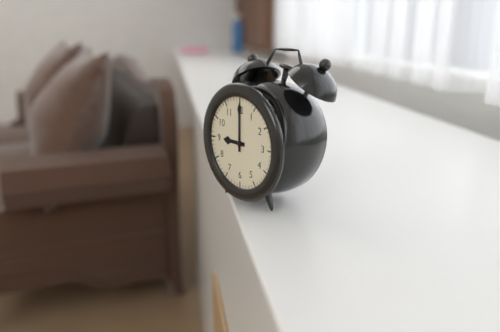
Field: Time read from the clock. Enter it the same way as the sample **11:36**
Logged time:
**9:00**
